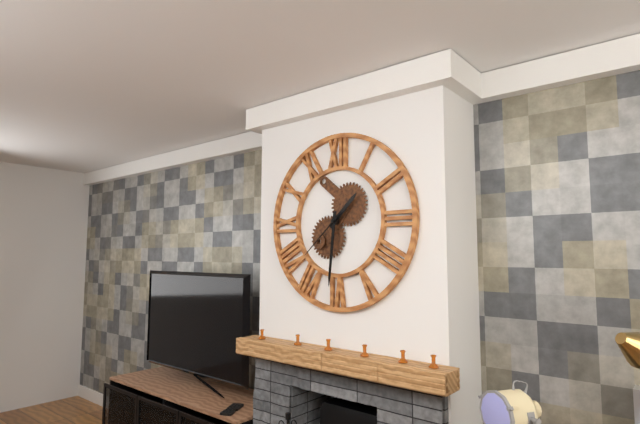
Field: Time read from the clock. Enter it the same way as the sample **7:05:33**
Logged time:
**1:31:38**
